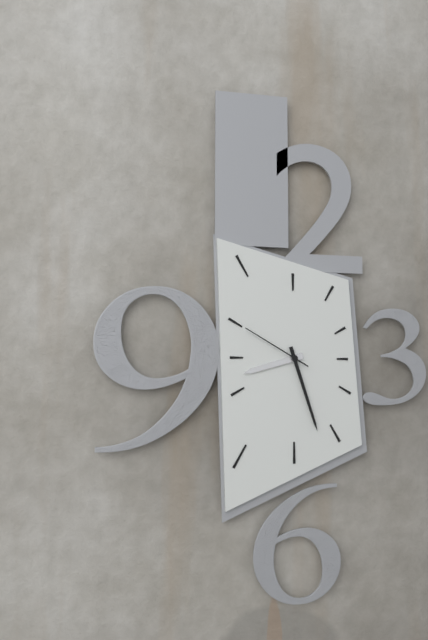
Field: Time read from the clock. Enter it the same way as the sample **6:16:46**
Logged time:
**8:27:50**
